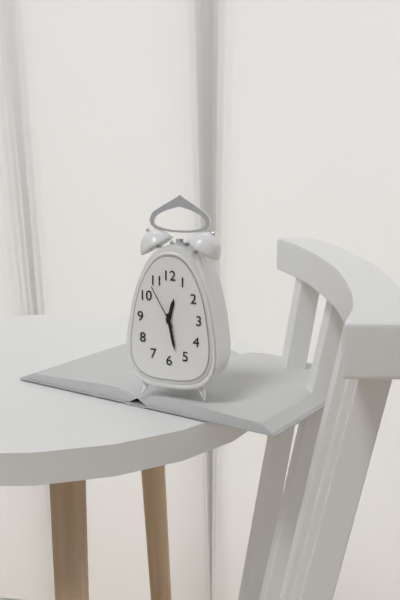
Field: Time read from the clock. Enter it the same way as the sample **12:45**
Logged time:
**12:28**
